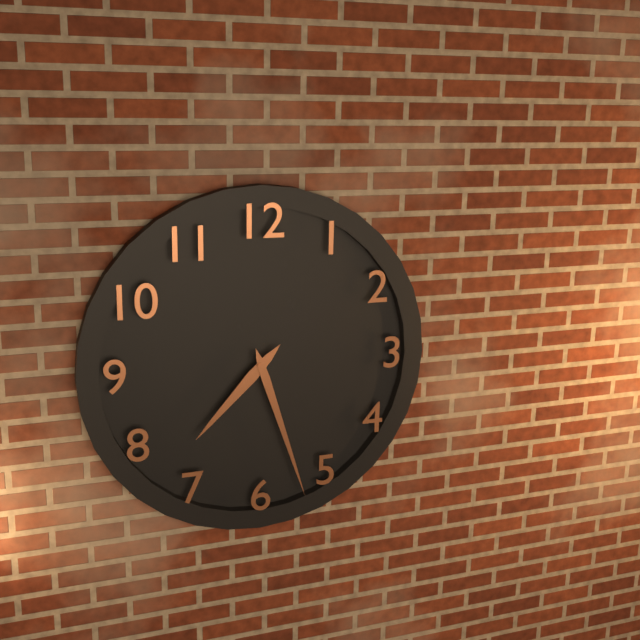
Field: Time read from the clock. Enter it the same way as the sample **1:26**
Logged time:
**7:27**
